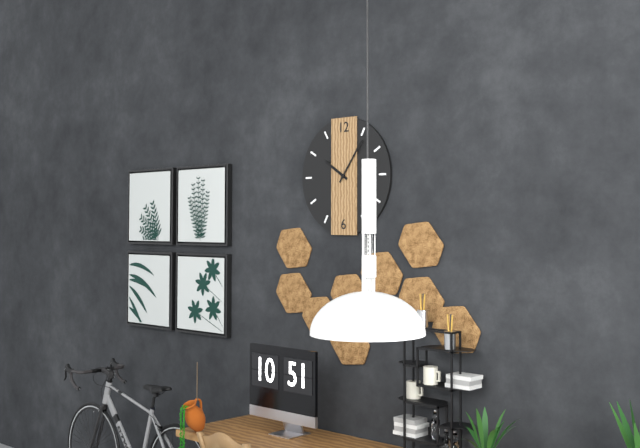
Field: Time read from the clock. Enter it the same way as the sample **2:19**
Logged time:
**10:06**
